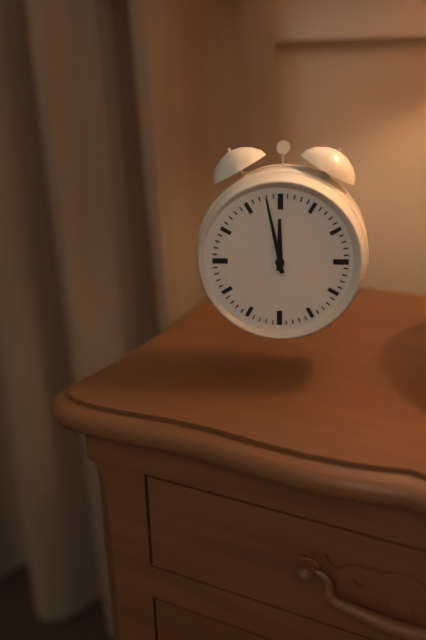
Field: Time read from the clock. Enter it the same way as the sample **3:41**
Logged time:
**11:58**
